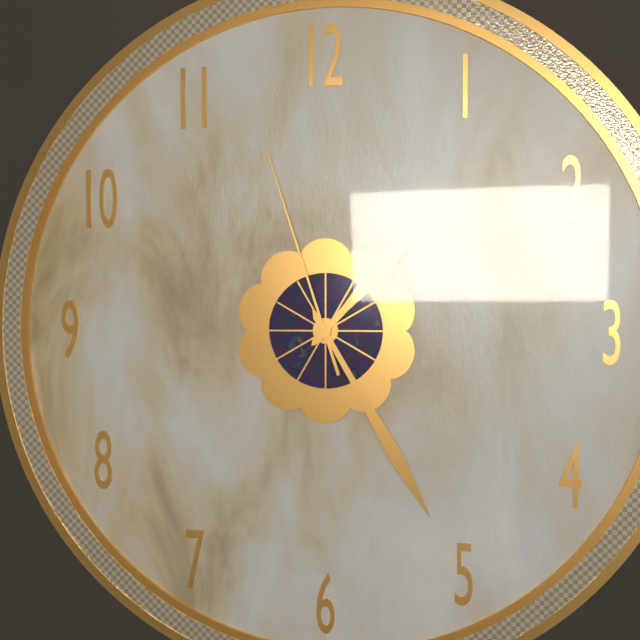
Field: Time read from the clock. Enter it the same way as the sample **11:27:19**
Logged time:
**1:25:57**
